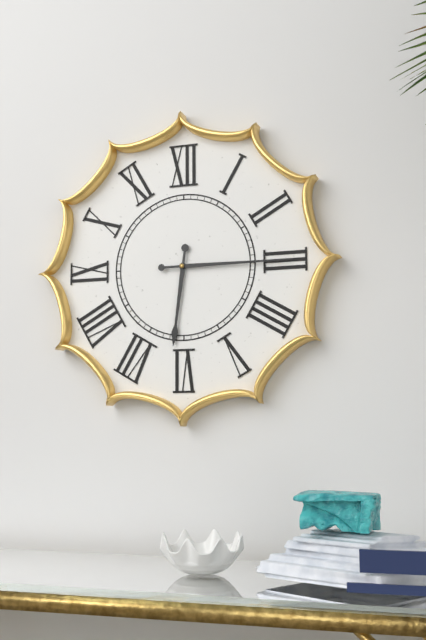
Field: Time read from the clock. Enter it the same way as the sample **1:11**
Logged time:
**6:15**
